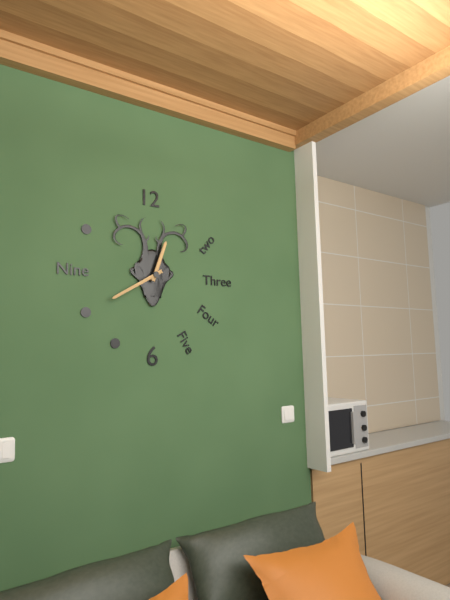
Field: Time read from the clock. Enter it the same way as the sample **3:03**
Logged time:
**12:40**
